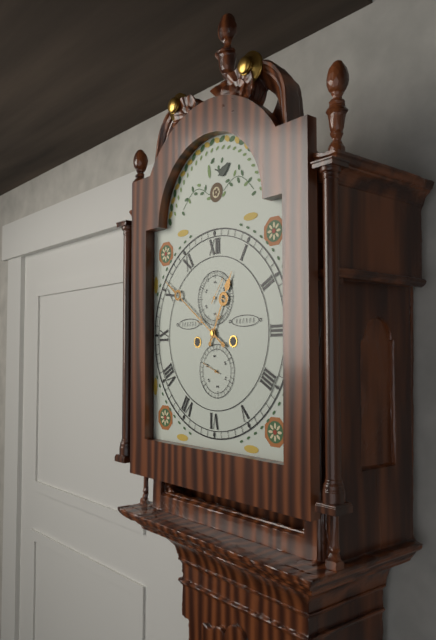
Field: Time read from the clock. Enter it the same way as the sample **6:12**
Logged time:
**12:51**
